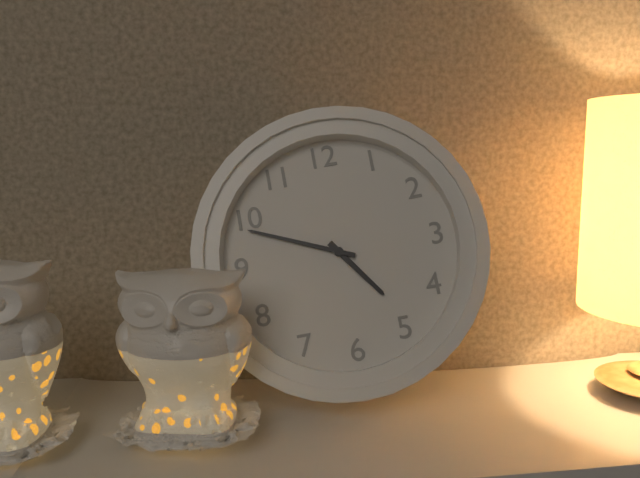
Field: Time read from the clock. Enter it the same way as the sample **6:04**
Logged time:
**4:49**
